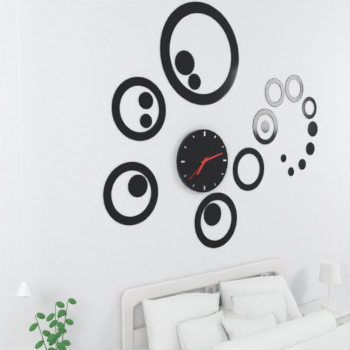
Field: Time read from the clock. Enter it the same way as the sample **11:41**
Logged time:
**7:12**
